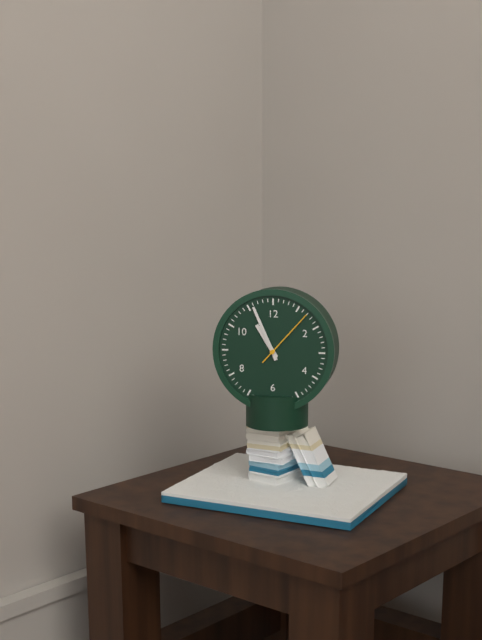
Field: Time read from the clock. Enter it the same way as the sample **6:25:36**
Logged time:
**10:56:07**
